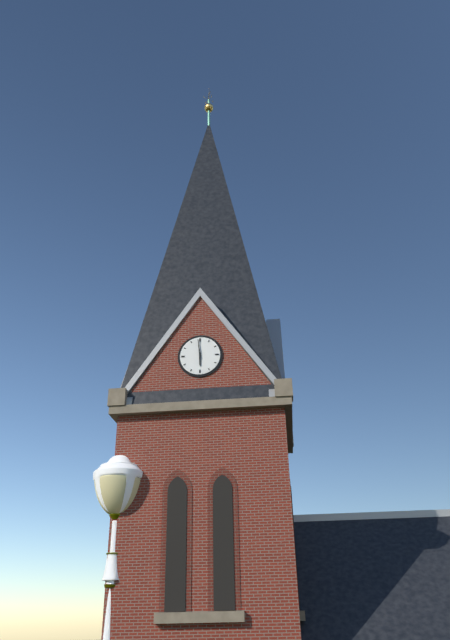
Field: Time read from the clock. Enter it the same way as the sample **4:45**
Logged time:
**5:59**
